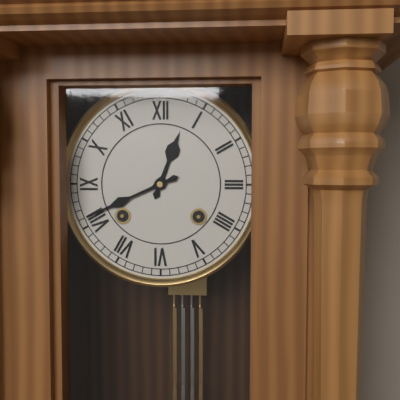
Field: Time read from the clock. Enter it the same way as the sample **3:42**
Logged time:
**12:41**
